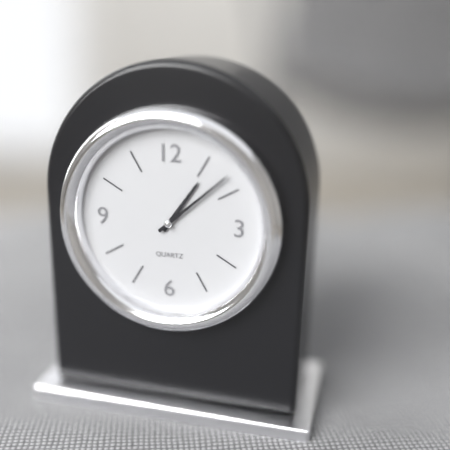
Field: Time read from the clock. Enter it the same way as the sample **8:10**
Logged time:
**1:08**
